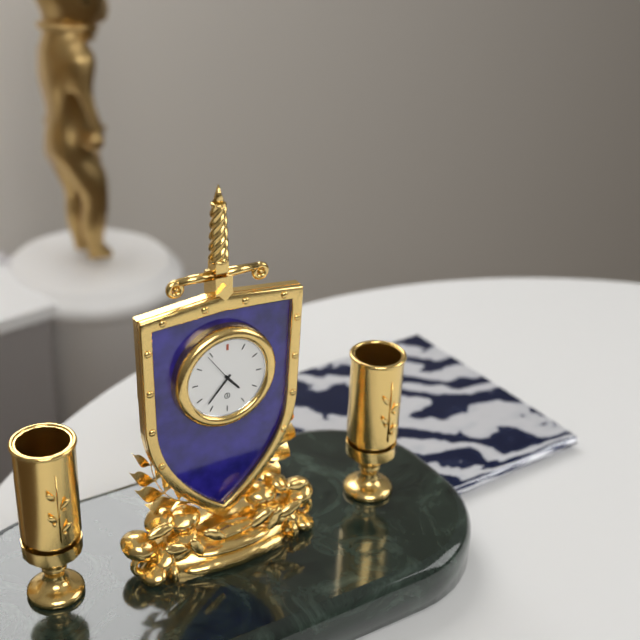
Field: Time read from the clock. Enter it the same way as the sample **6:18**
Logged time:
**4:37**
